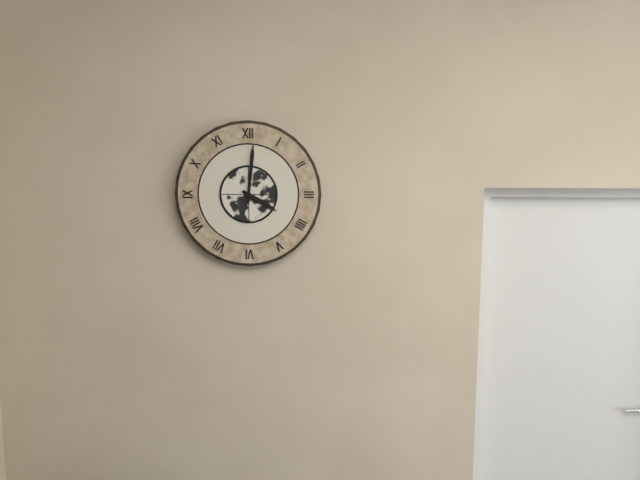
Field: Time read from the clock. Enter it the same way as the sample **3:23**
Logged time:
**4:01**
